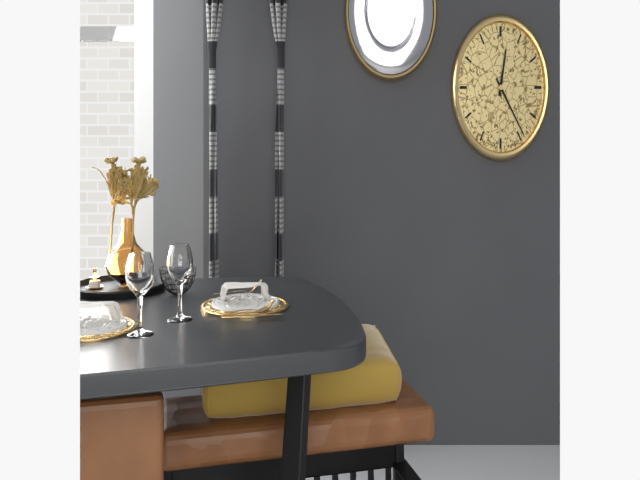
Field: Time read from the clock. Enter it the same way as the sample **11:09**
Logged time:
**12:24**
